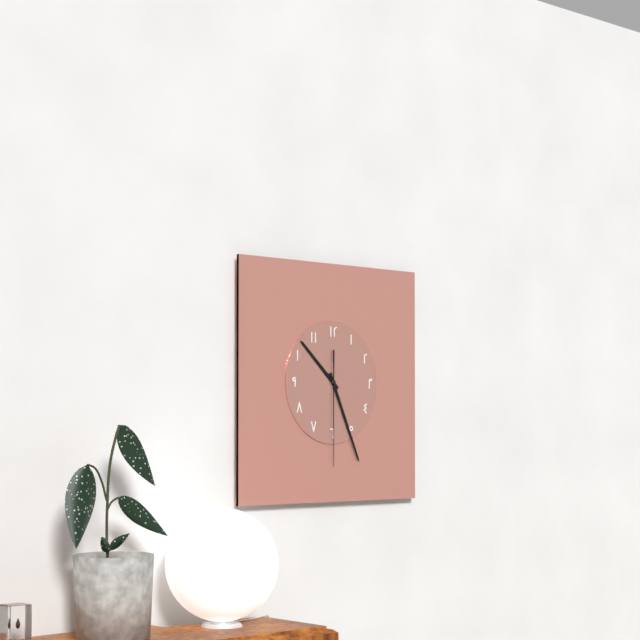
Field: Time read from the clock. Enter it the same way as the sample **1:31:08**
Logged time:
**10:26:30**
